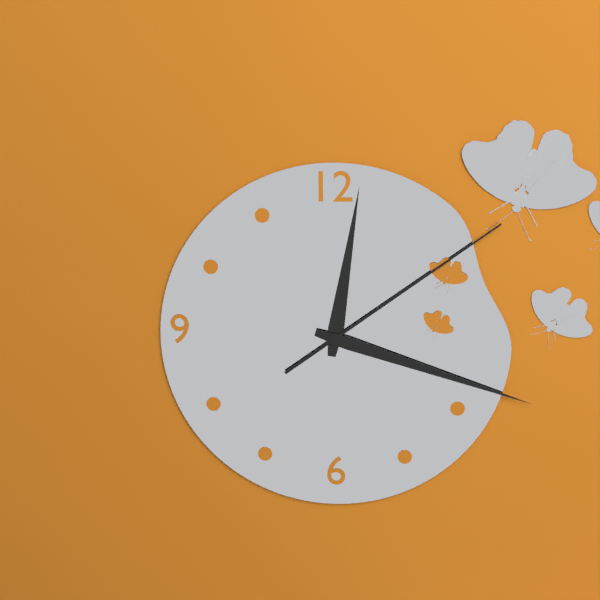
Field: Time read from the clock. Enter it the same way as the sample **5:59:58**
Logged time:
**12:18:09**
